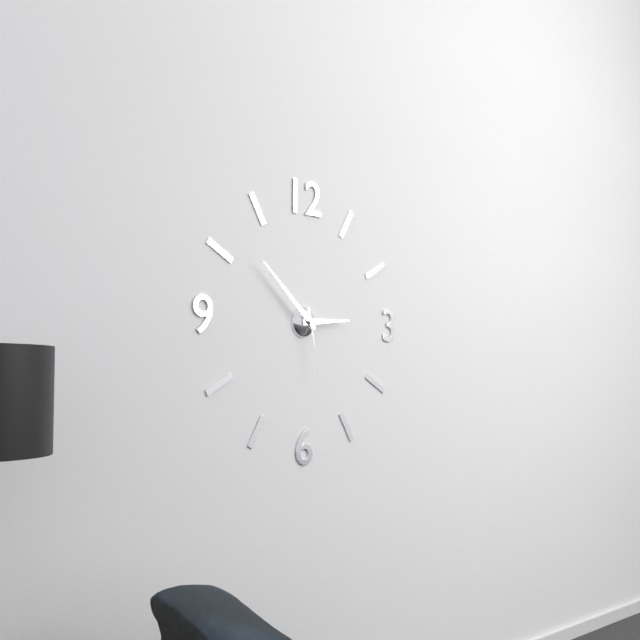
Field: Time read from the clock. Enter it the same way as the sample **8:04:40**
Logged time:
**2:52:28**
